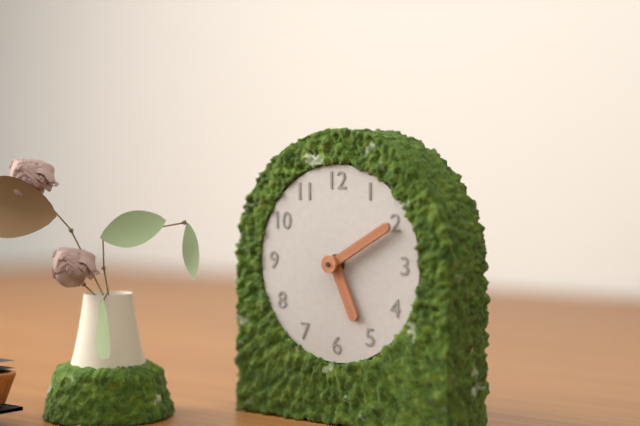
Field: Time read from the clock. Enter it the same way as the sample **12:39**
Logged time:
**5:10**
